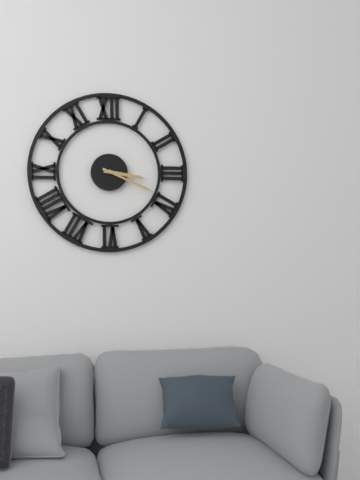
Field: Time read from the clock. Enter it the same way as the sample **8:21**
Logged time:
**3:19**
